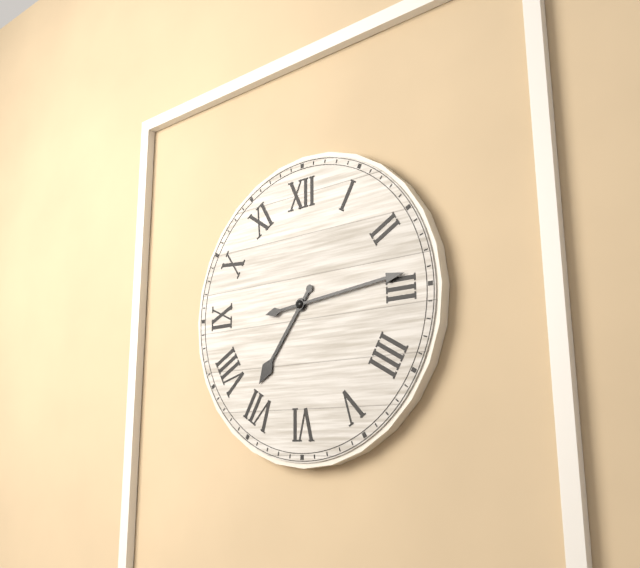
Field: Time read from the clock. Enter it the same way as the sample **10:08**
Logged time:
**7:14**
